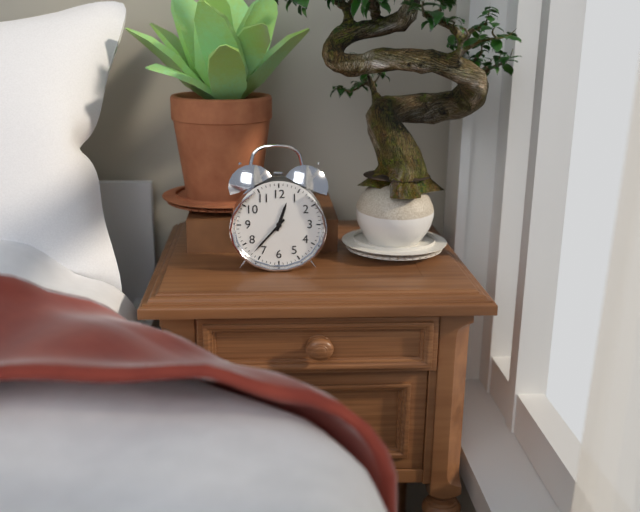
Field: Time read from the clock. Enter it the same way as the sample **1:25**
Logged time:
**12:37**
